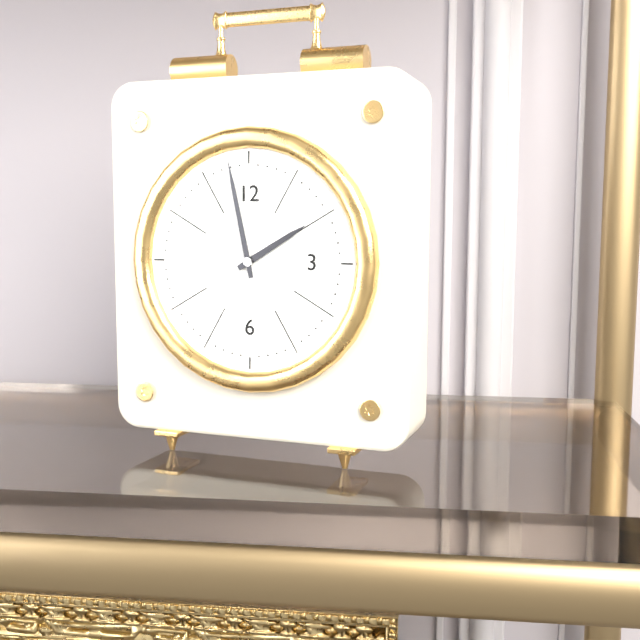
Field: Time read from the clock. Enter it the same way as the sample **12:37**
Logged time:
**1:58**
